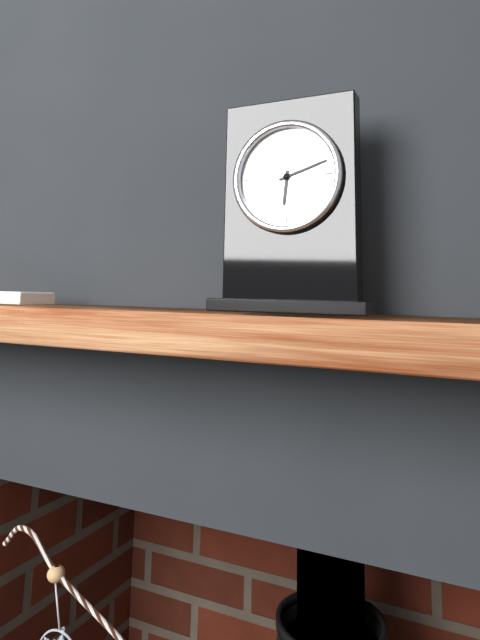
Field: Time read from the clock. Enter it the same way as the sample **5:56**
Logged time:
**6:12**
